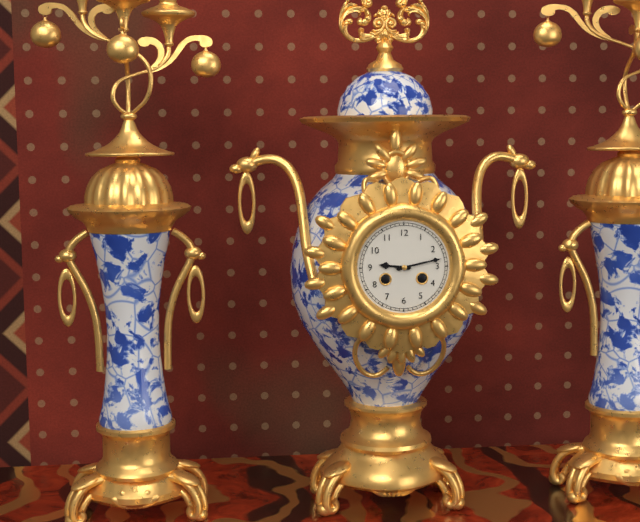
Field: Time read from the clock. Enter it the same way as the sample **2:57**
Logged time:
**9:13**
